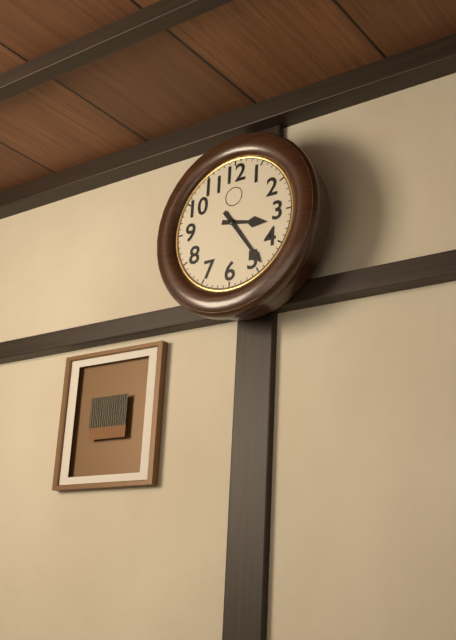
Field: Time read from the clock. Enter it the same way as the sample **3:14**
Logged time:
**3:24**
